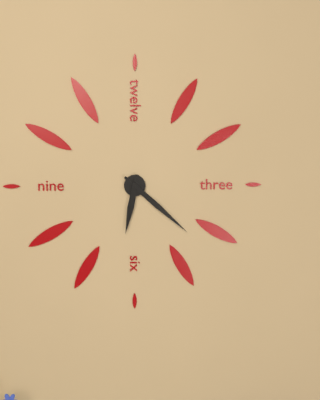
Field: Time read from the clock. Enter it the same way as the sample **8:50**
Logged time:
**6:22**
